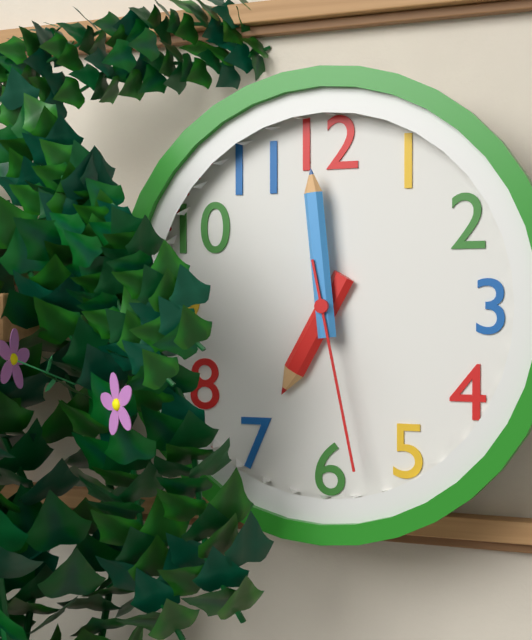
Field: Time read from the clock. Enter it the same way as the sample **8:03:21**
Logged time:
**6:59:28**
